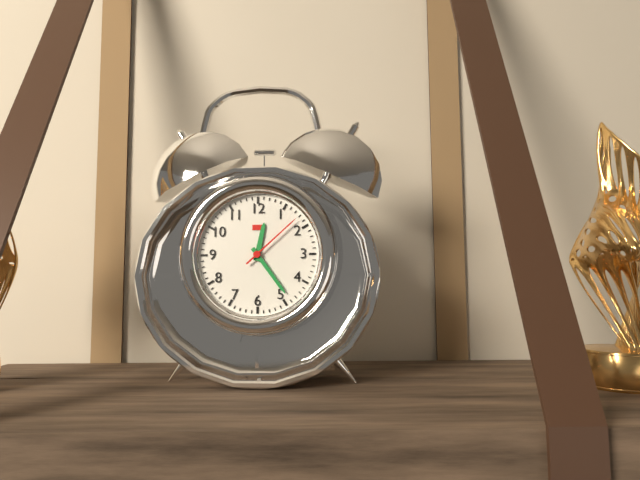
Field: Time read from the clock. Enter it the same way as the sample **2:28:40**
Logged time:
**12:24:08**
